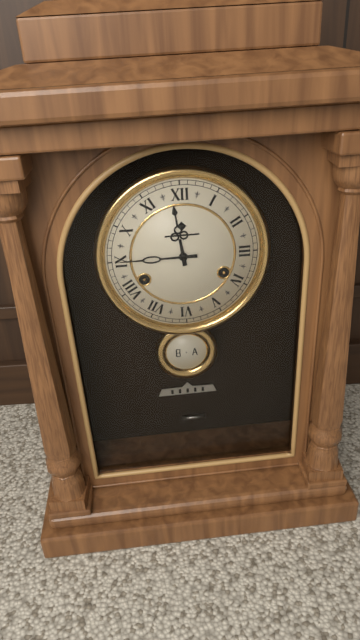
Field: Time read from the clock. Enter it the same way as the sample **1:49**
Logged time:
**11:45**
